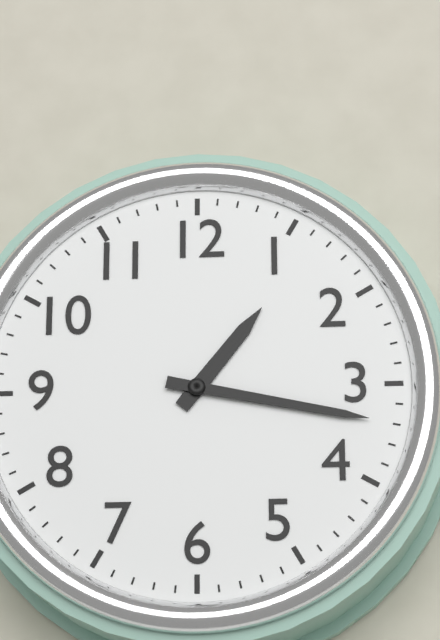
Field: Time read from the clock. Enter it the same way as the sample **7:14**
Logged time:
**1:17**
